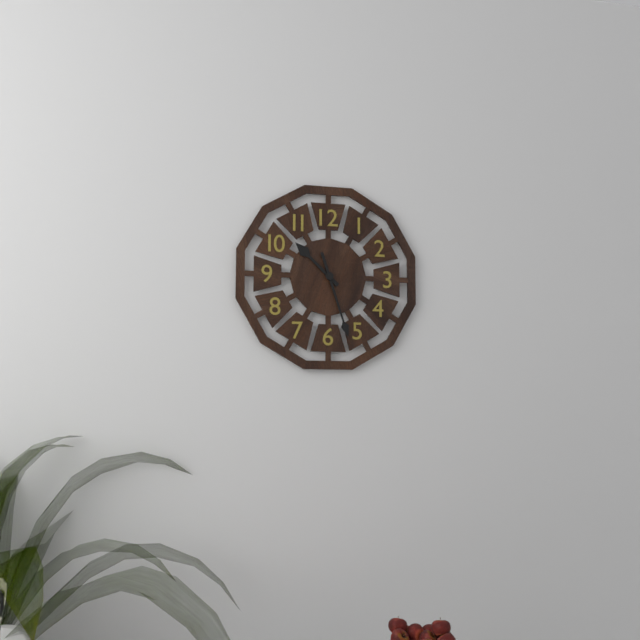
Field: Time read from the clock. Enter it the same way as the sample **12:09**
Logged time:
**10:27**
